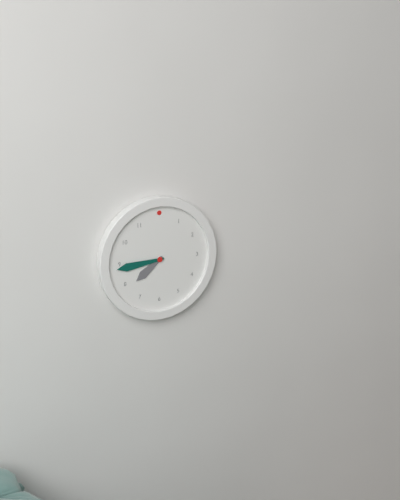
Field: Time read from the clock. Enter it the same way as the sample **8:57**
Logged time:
**7:44**
